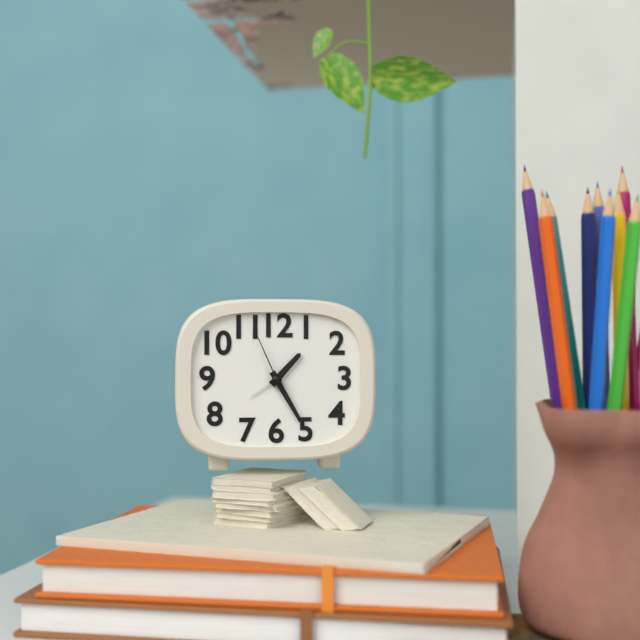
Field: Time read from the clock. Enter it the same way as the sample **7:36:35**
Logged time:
**1:25:56**
